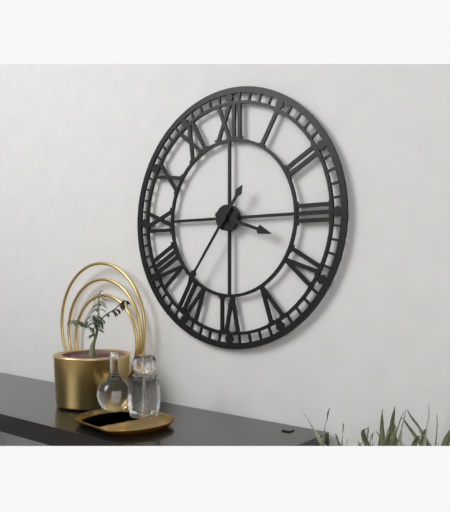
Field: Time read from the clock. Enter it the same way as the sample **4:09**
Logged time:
**3:36**
